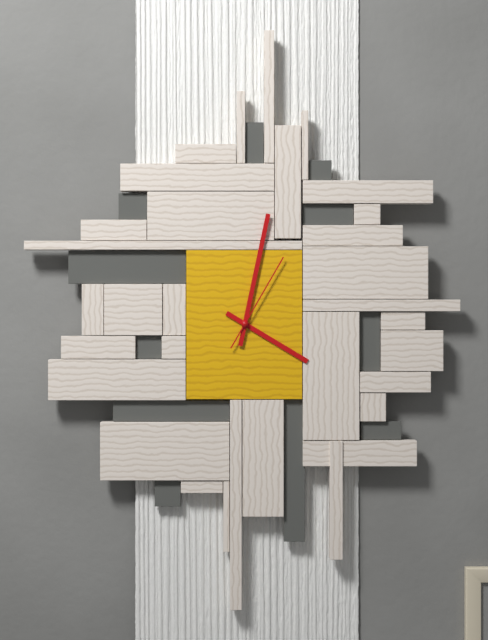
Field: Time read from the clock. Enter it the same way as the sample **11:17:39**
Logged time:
**4:02:05**
